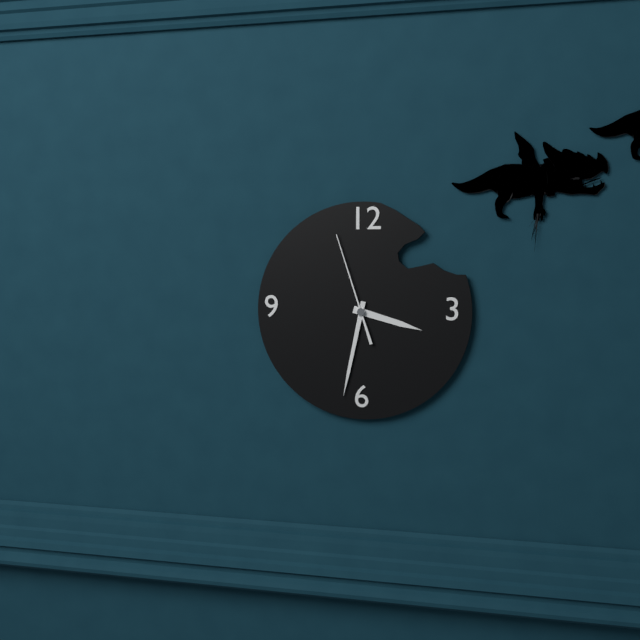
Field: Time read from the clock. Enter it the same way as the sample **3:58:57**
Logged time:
**3:32:57**
